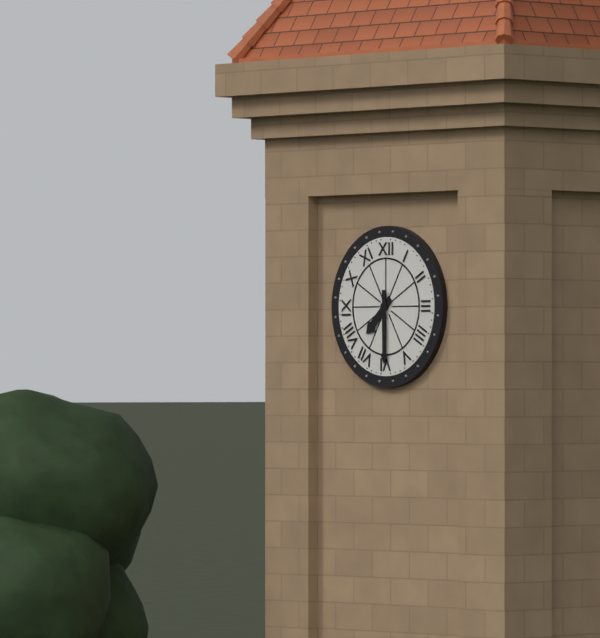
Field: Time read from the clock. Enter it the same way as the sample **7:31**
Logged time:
**7:30**
